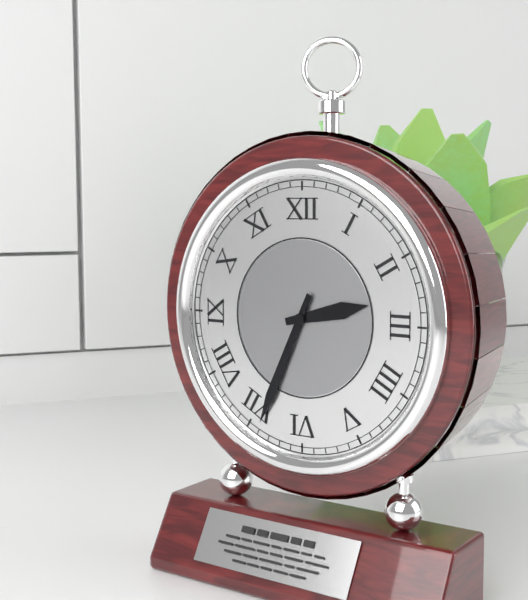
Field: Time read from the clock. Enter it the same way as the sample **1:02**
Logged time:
**2:34**
